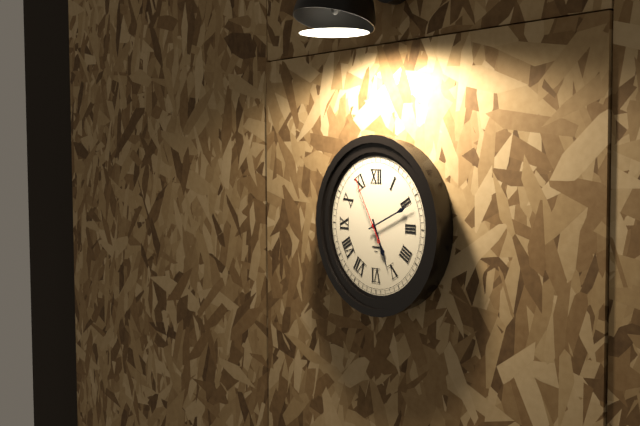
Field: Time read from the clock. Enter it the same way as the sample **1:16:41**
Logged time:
**5:11:55**
